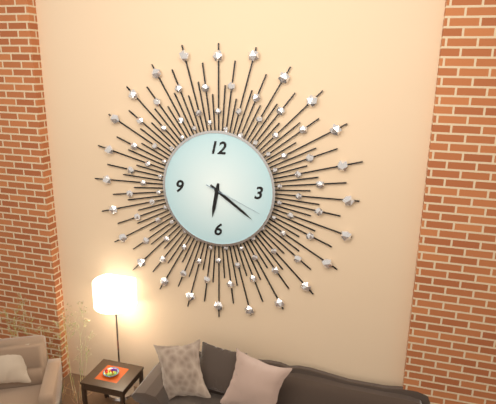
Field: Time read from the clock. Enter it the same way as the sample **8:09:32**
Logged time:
**6:21:19**
